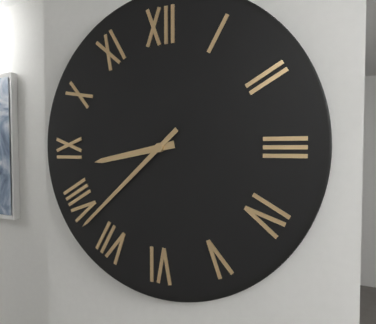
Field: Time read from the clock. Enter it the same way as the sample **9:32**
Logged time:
**8:38**
